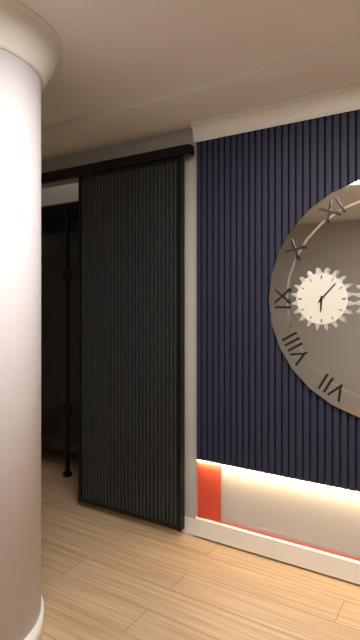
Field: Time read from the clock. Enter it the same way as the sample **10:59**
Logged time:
**6:07**
